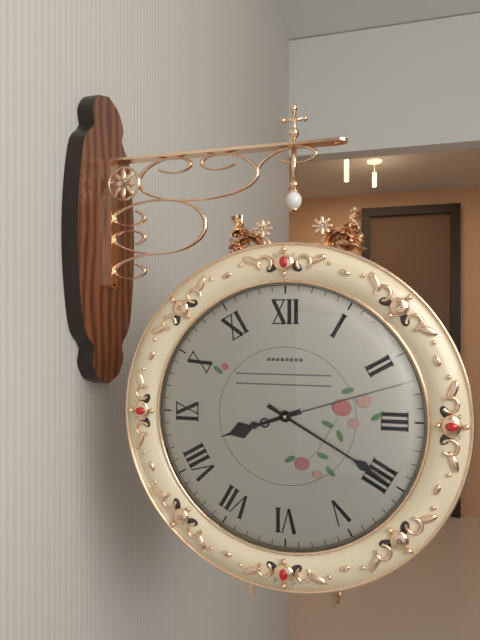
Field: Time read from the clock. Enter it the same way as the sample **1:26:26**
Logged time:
**8:20:12**
